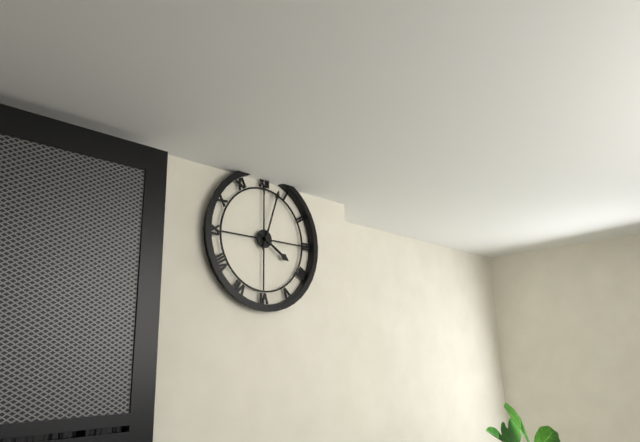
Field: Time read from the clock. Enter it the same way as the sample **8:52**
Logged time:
**4:03**
